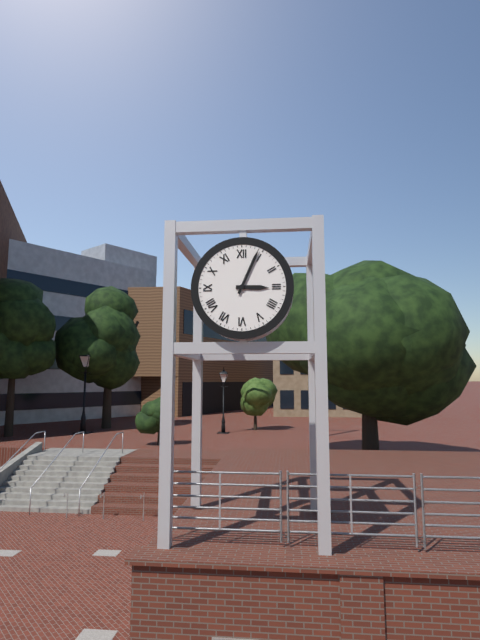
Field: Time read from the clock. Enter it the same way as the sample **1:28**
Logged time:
**3:04**
